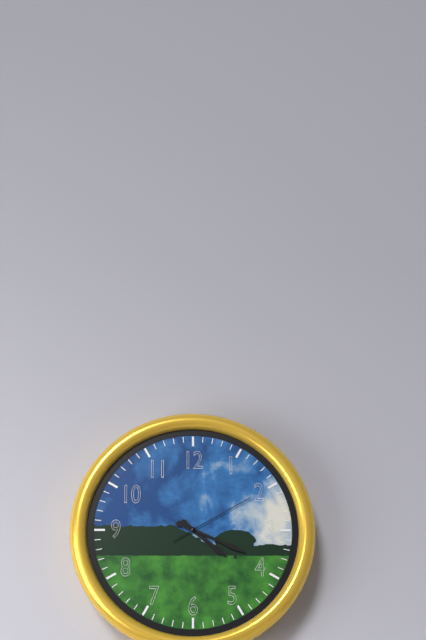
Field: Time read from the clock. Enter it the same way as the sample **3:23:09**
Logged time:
**4:19:10**
